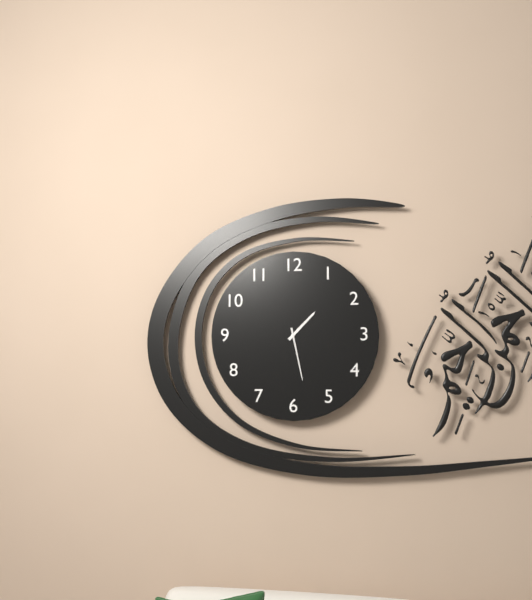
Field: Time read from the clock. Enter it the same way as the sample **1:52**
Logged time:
**1:28**
